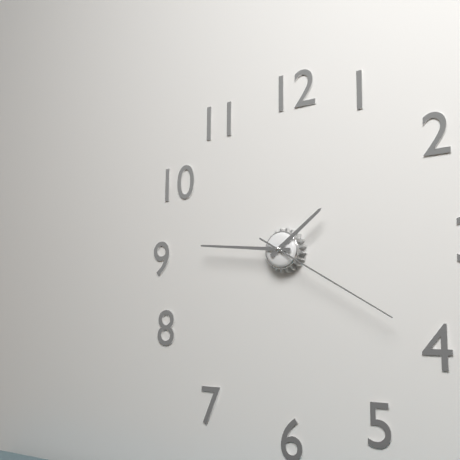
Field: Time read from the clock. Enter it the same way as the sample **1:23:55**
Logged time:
**1:46:20**
